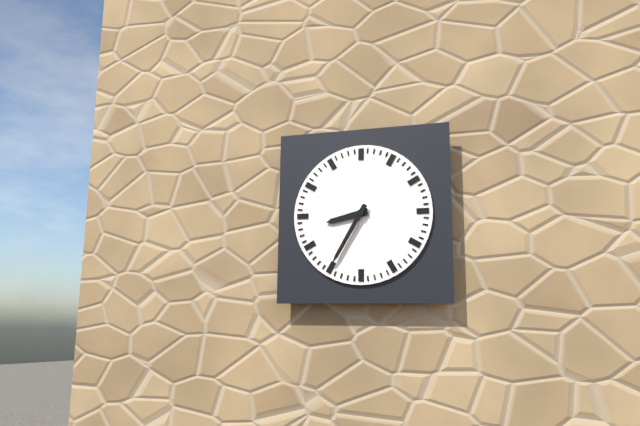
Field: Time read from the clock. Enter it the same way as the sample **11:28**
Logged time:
**8:35**
